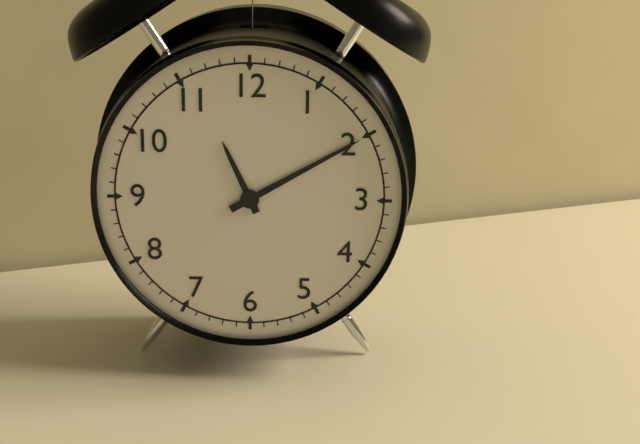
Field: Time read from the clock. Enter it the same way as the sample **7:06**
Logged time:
**11:10**
